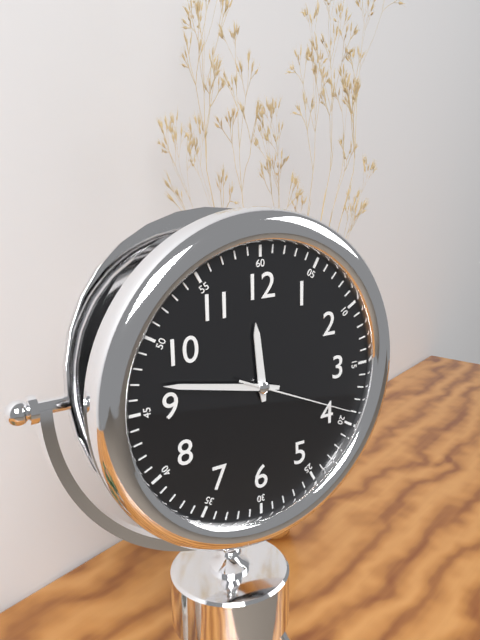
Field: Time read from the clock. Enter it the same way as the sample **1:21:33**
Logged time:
**11:47:19**
